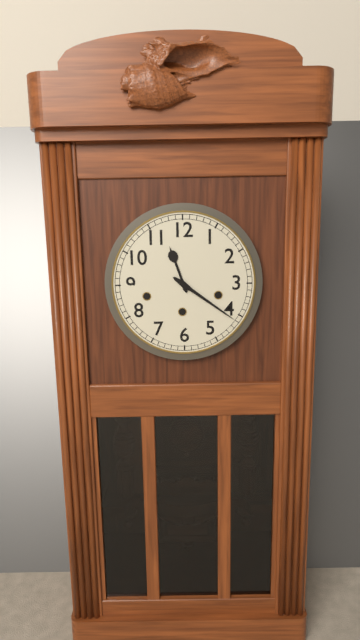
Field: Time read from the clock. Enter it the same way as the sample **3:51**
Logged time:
**11:21**
